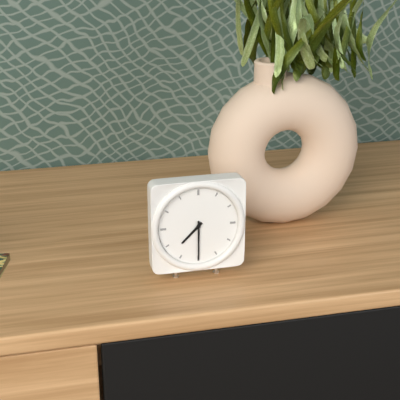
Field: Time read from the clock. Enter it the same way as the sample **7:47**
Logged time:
**7:30**
